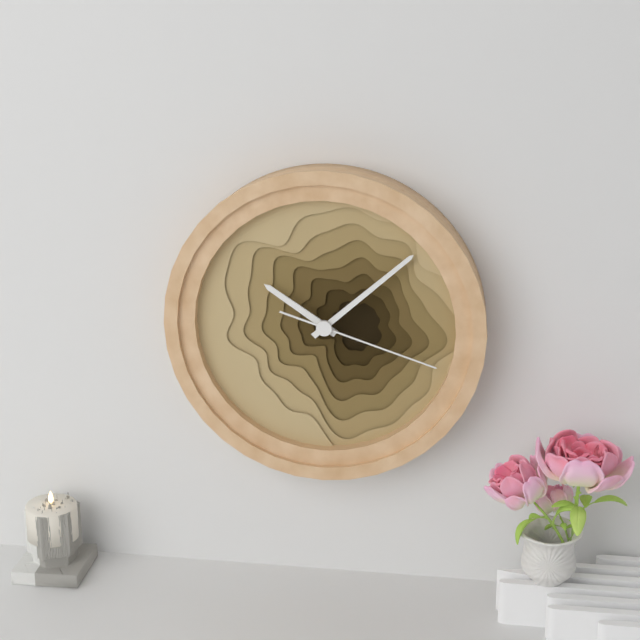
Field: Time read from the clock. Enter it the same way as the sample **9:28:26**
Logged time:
**10:08:18**
